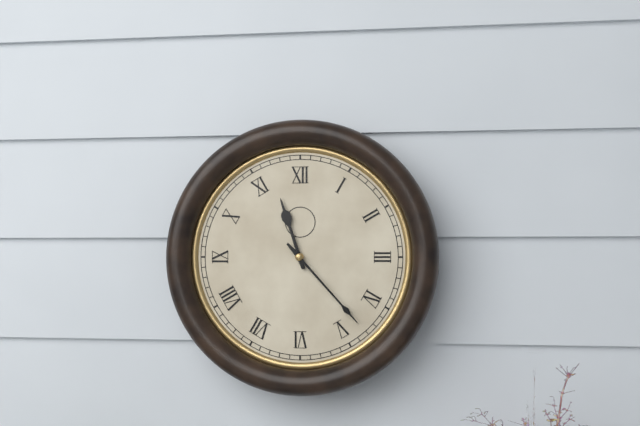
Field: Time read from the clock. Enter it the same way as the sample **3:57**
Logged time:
**11:23**
